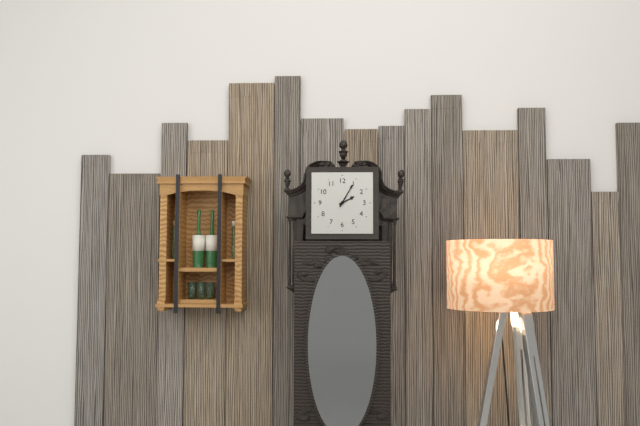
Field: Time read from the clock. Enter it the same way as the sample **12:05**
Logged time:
**2:05**
